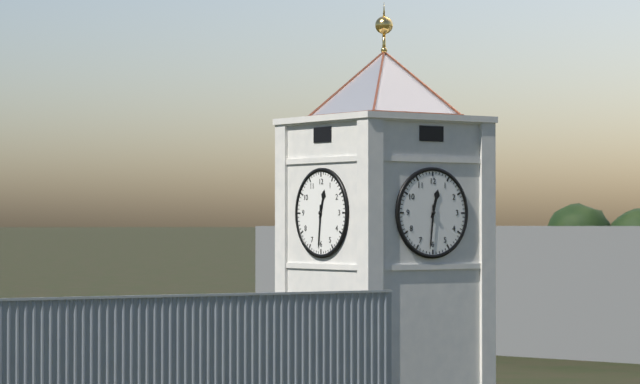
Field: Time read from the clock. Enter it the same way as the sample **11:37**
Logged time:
**12:31**
